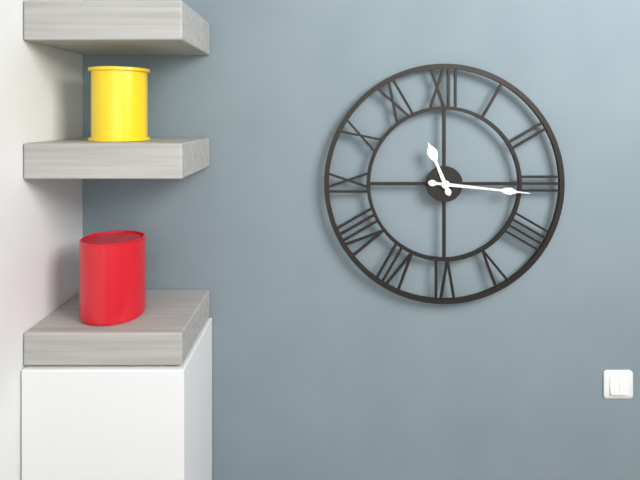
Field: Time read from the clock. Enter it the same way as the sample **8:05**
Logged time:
**11:16**
